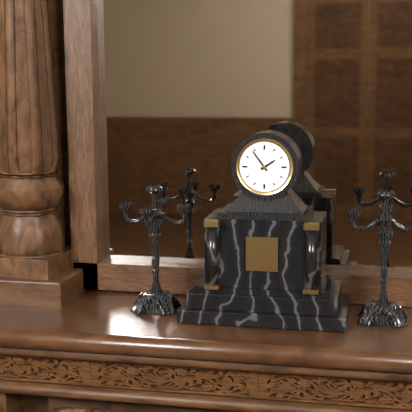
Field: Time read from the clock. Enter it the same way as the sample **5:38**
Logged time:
**1:54**
